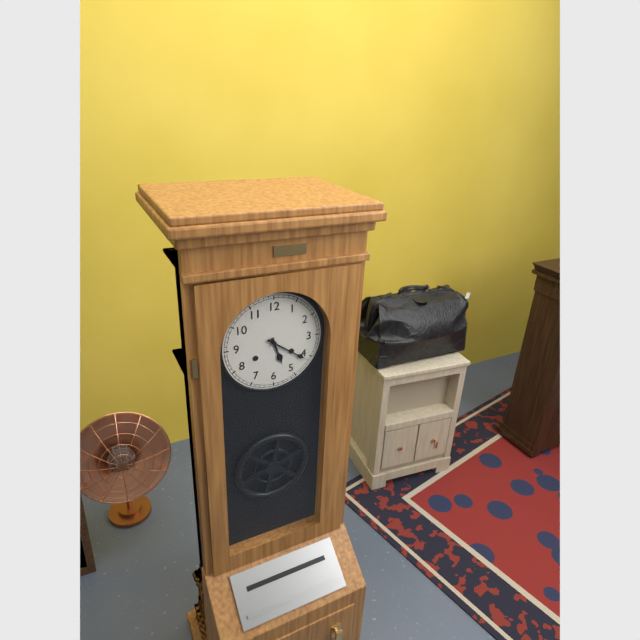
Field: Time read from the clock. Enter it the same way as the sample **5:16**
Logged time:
**5:21**
